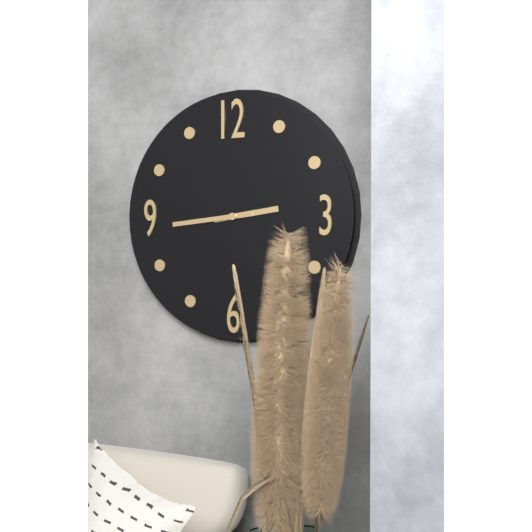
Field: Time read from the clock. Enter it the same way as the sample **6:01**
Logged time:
**2:44**
